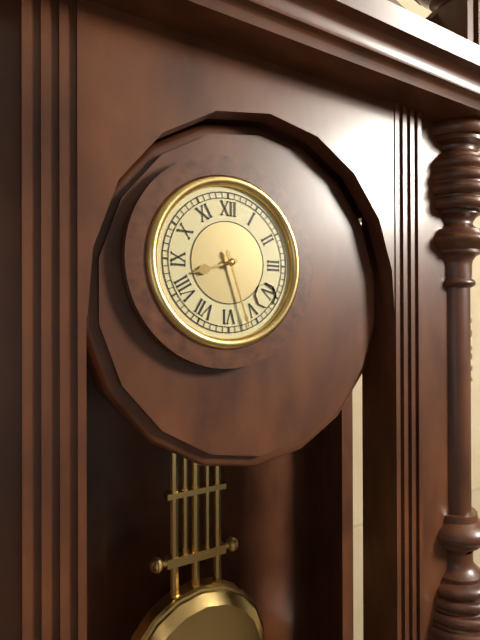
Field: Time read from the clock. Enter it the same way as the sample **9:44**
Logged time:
**8:27**
